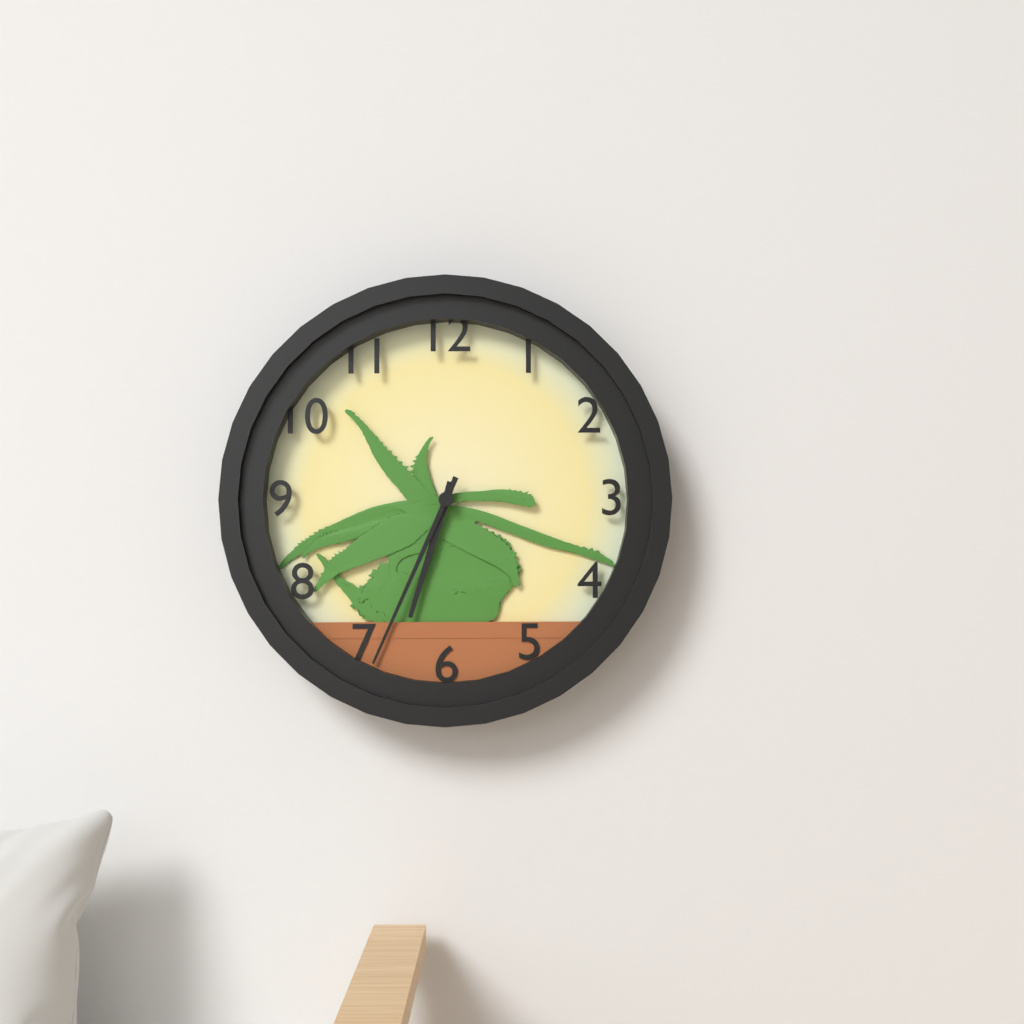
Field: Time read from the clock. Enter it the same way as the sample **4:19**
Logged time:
**6:34**
